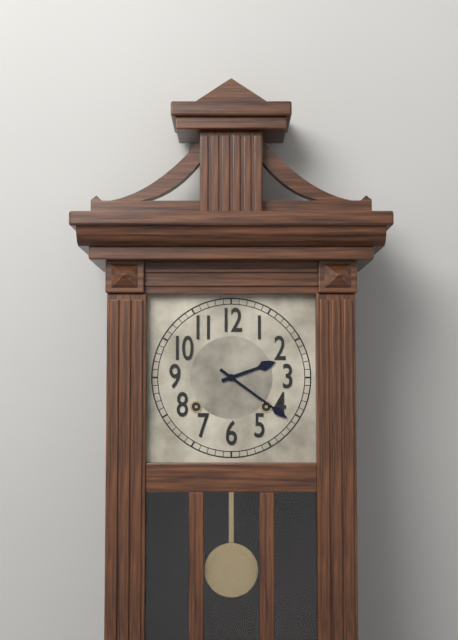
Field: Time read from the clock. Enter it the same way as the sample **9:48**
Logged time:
**2:21**
